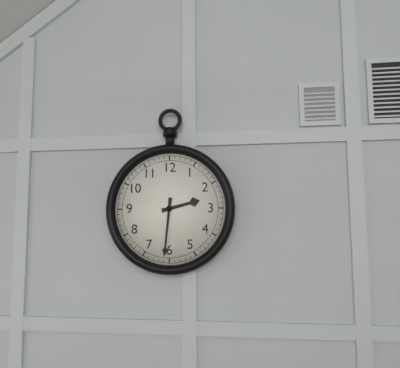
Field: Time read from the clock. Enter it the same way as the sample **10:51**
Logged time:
**2:31**
